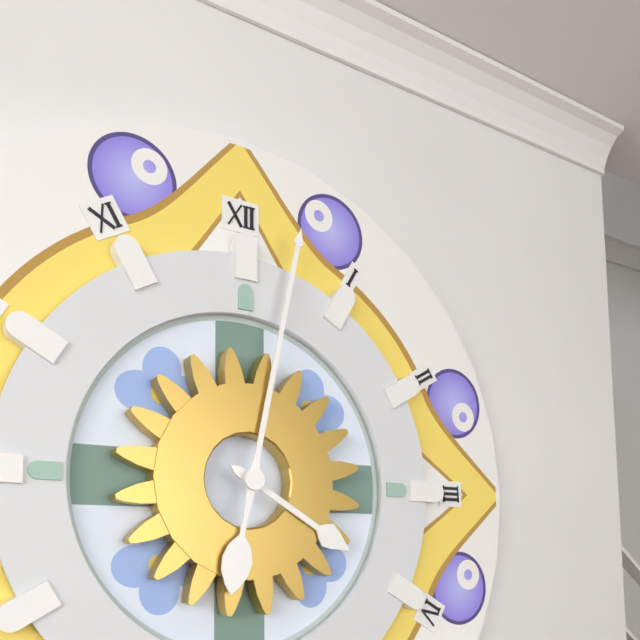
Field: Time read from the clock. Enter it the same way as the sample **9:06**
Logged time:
**4:02**
